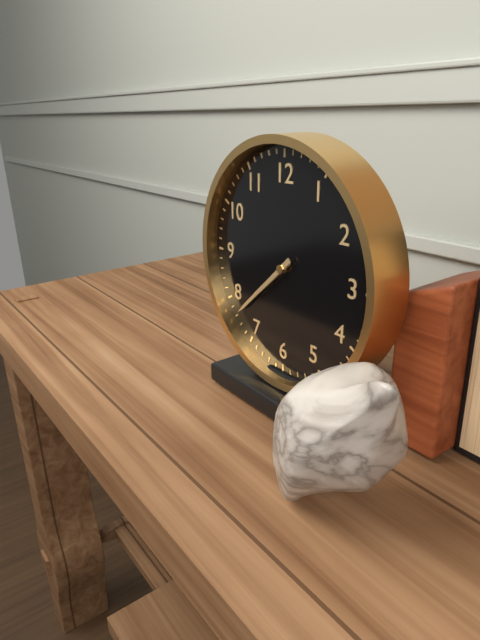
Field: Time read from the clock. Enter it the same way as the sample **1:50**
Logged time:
**7:38**
